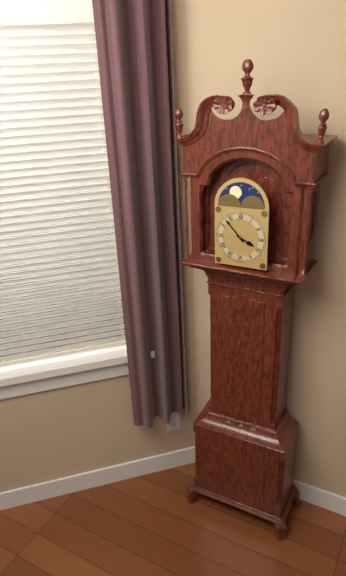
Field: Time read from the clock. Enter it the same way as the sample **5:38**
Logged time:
**3:53**
